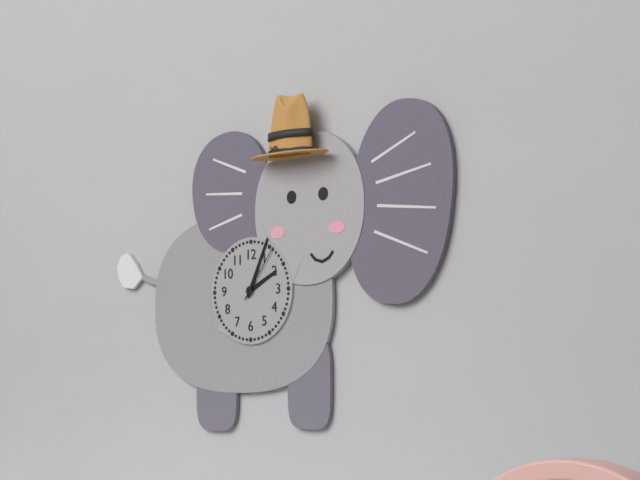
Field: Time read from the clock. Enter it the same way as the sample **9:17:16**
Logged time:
**2:04:06**
